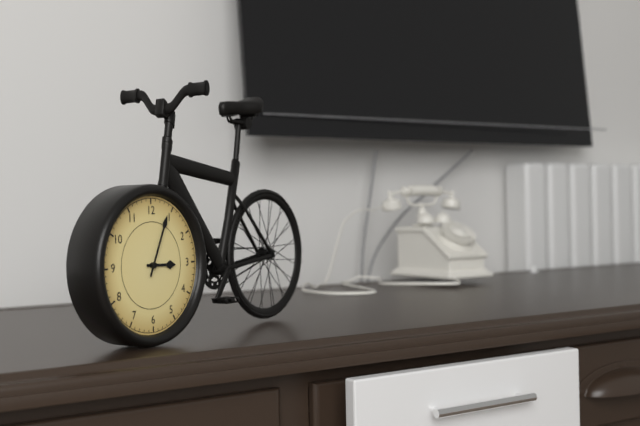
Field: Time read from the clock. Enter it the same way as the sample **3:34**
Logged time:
**3:04**
